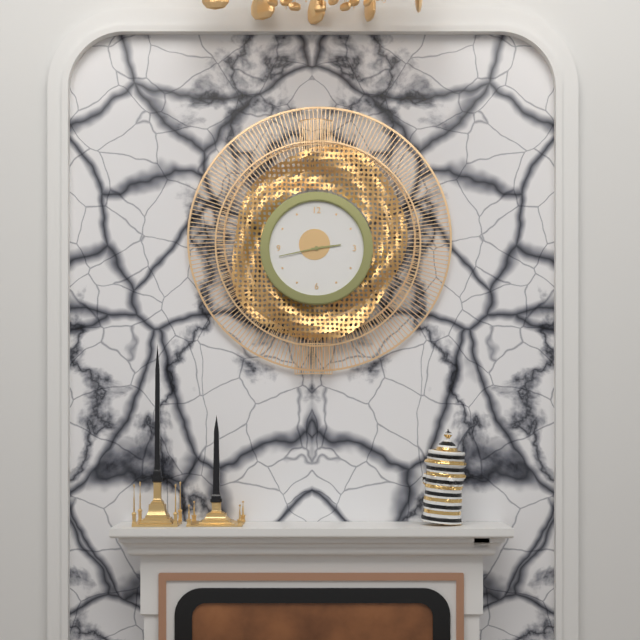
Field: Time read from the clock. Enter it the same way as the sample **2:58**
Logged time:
**2:43**
